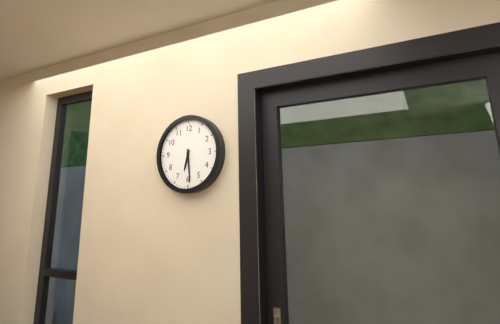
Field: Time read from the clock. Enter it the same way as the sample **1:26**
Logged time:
**6:29**
